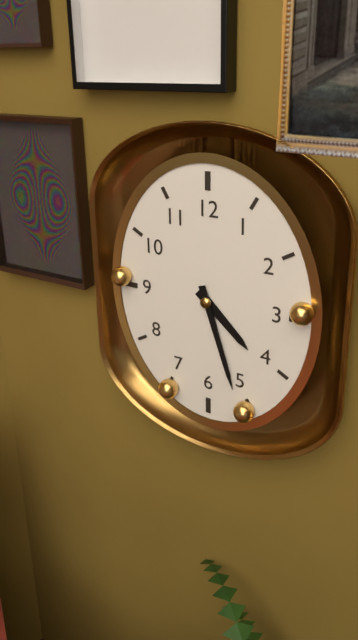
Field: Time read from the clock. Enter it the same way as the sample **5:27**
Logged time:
**4:27**
